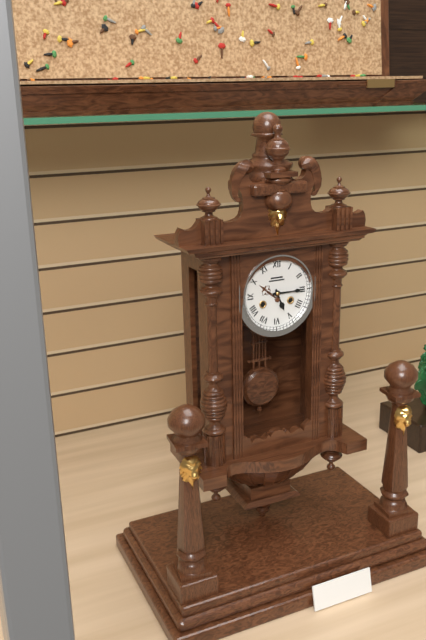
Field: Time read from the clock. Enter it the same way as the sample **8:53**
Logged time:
**5:15**
